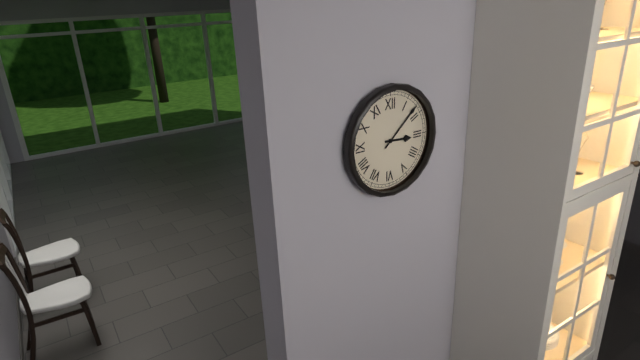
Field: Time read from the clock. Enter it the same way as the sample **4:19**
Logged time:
**3:08**
